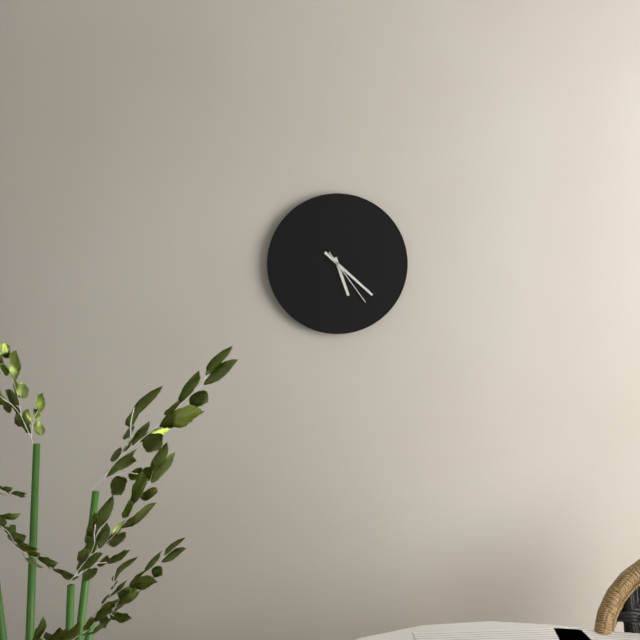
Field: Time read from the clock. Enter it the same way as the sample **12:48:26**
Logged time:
**5:22:24**
